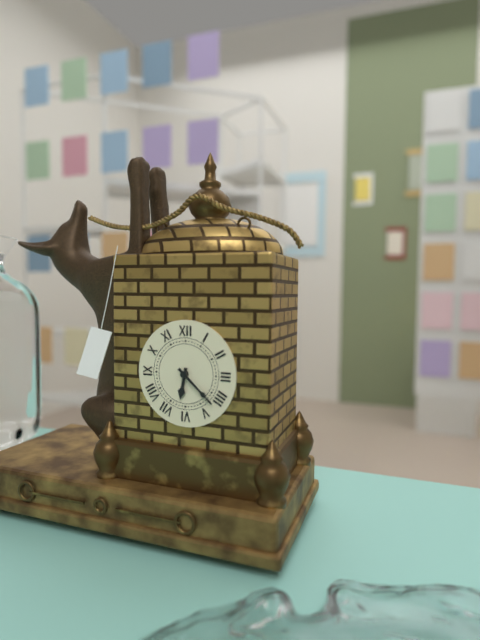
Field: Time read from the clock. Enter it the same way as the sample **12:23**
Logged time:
**6:22**
